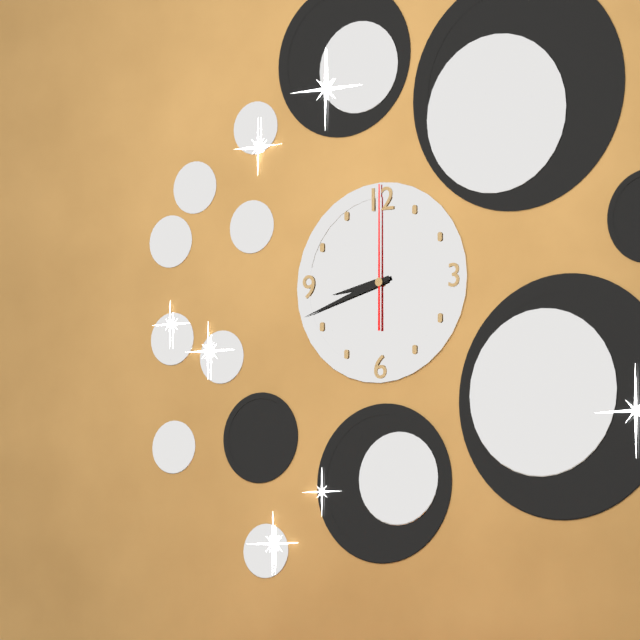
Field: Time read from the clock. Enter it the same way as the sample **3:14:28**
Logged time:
**8:42:00**
